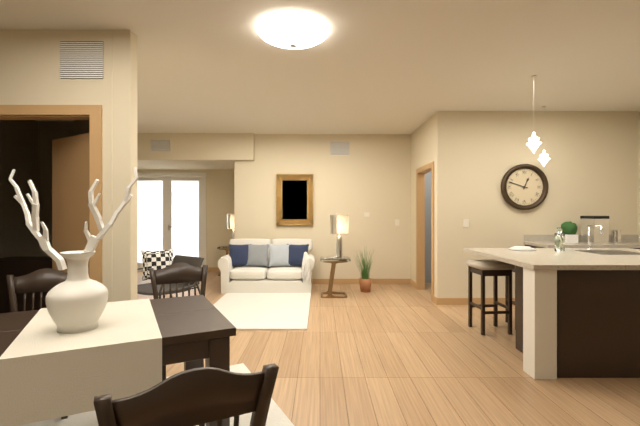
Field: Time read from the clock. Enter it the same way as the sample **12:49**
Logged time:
**12:48**
